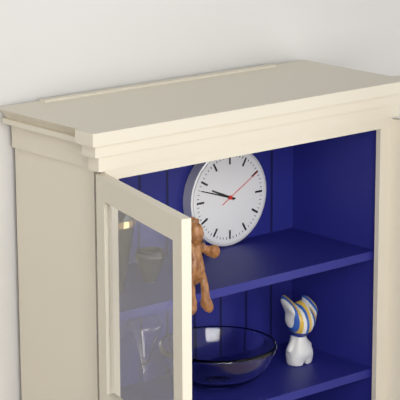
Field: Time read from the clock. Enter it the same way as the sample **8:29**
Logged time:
**9:48**
